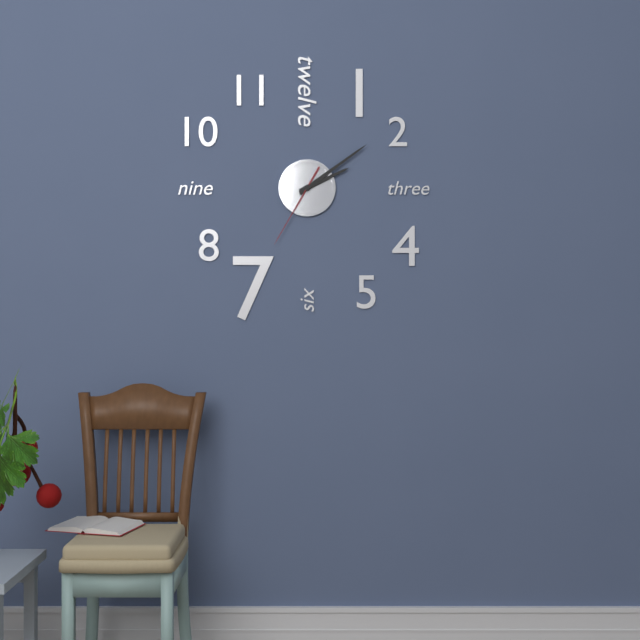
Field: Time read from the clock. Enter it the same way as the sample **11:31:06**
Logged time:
**2:09:35**
